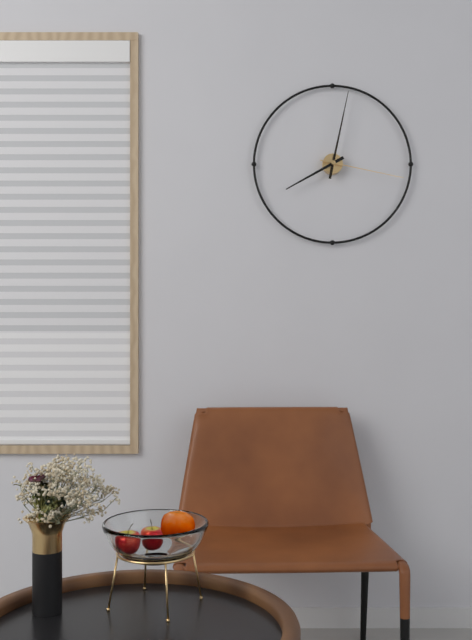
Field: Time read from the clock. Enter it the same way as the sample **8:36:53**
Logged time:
**8:02:17**
